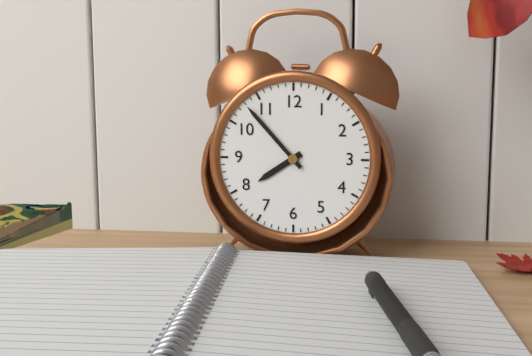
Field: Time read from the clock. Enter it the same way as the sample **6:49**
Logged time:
**7:53**
